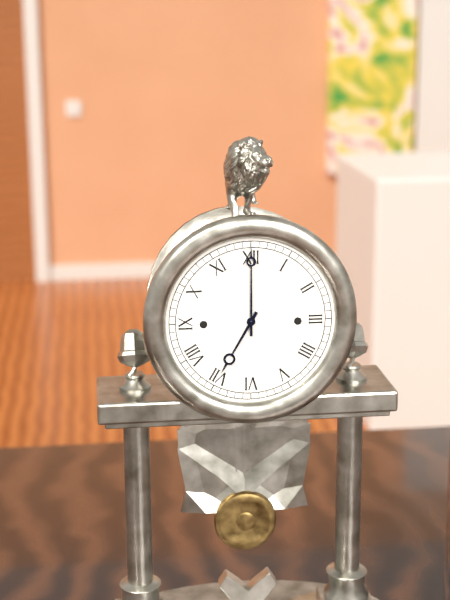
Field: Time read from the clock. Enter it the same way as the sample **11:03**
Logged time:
**7:00**
